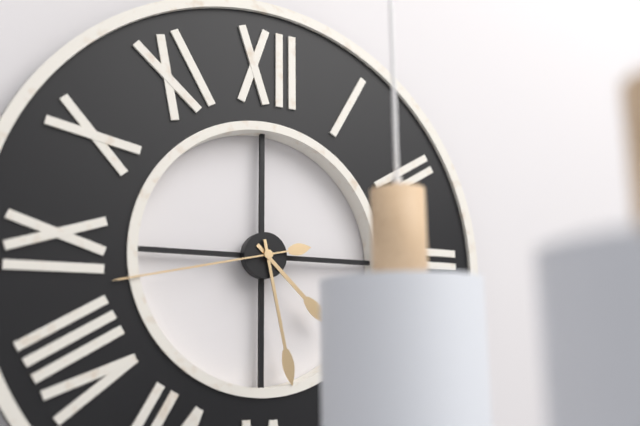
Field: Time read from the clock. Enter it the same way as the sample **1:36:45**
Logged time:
**4:28:43**
